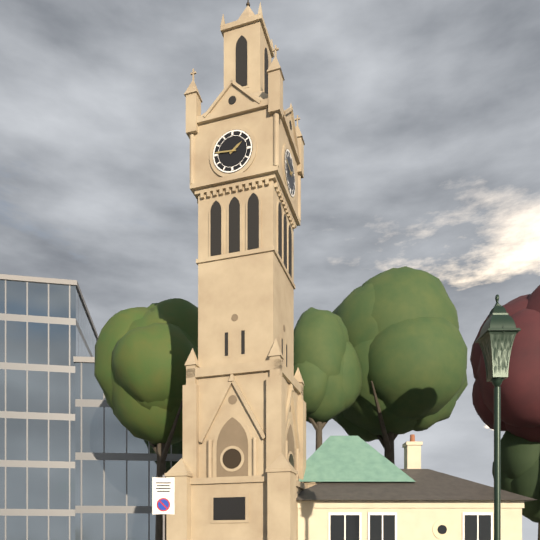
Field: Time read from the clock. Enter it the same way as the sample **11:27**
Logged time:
**1:46**
